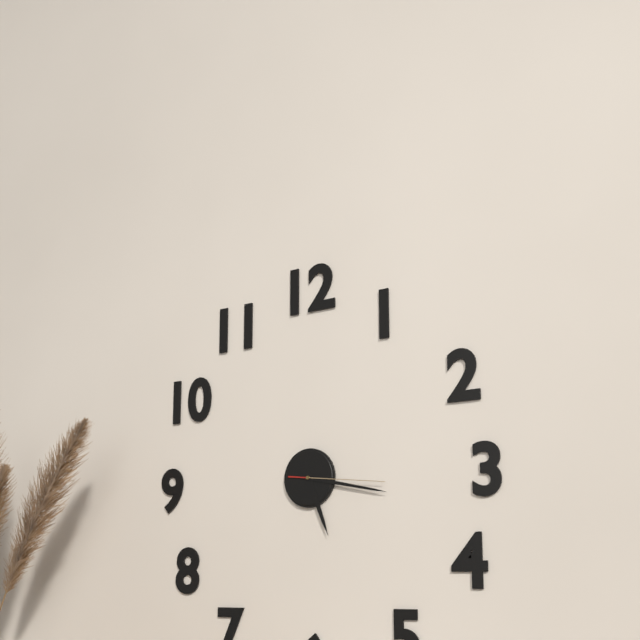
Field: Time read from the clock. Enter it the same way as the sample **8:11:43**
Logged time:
**5:17:16**
